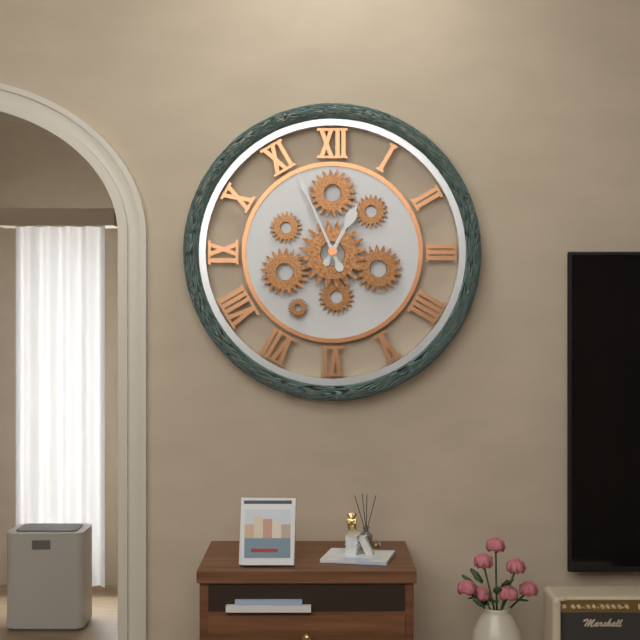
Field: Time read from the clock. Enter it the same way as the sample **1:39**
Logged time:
**12:56**
